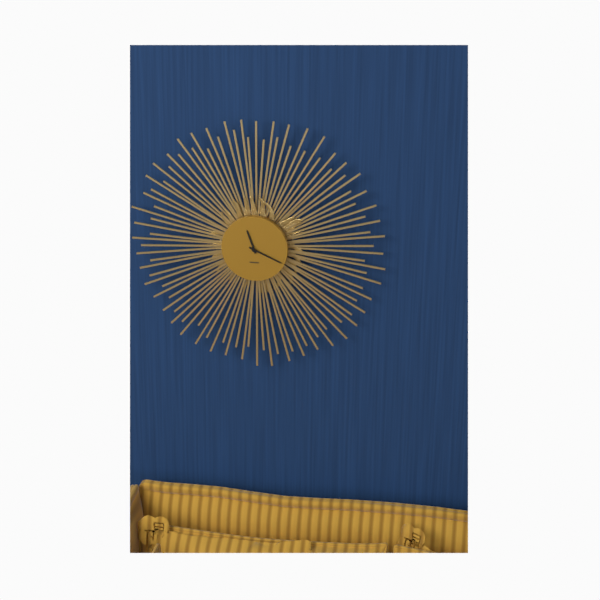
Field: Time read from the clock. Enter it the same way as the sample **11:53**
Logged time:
**11:19**
